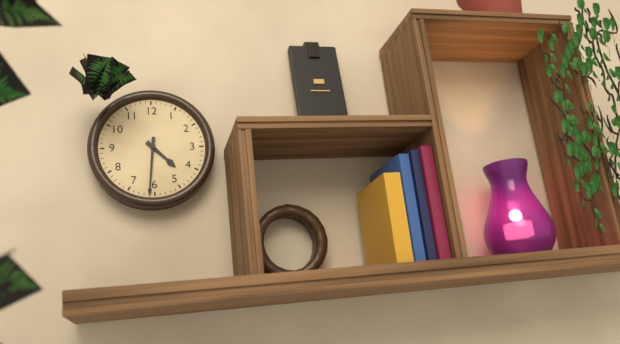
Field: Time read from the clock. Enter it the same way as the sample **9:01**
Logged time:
**4:31**
